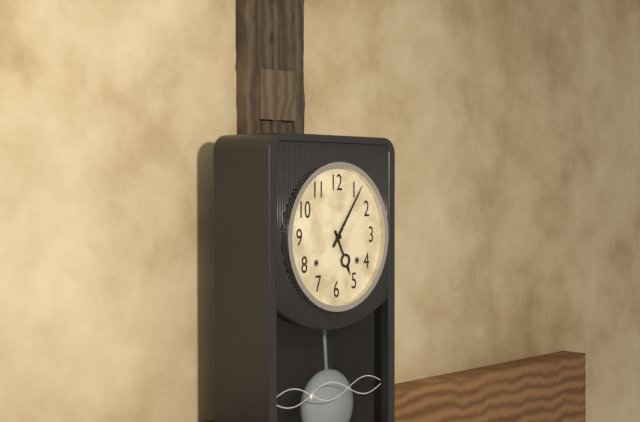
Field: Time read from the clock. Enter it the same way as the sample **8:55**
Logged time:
**5:06**
